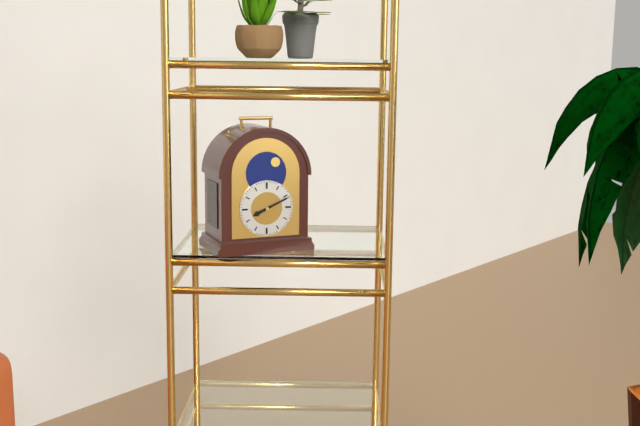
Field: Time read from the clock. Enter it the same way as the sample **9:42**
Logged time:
**8:11**
